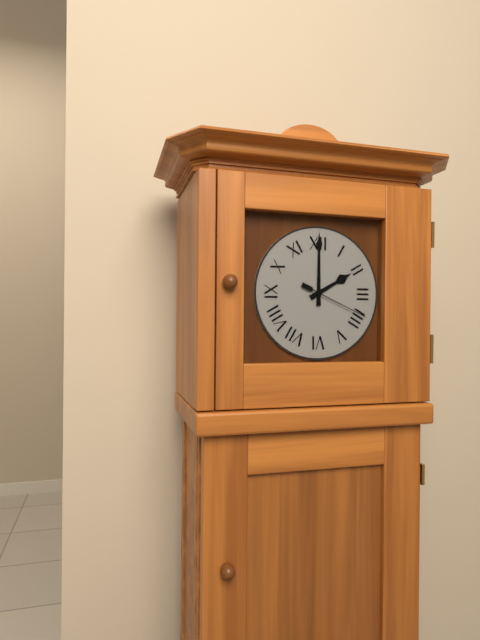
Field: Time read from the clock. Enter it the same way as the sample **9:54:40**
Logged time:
**2:00:19**
